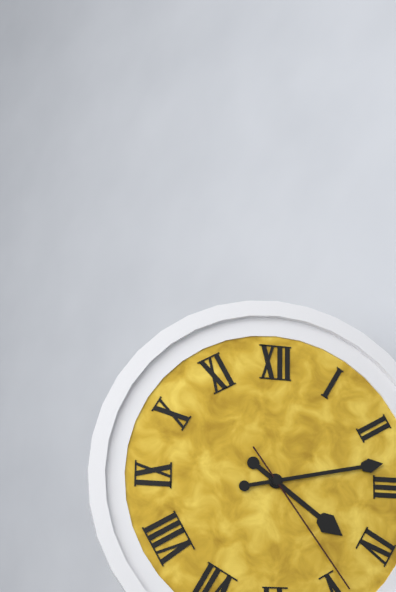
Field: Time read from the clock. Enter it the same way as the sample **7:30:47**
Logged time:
**4:13:24**
